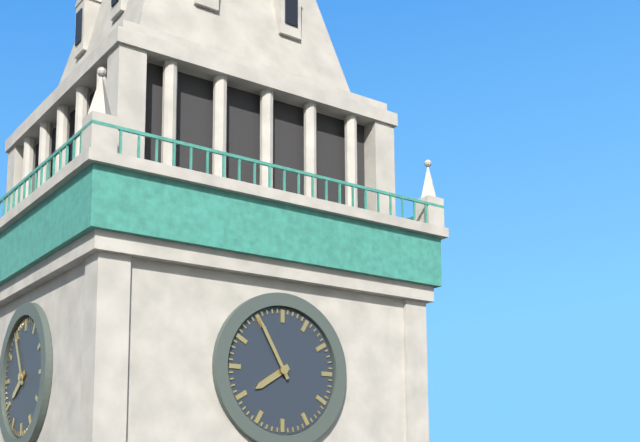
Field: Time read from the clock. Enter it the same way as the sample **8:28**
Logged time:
**7:55**
